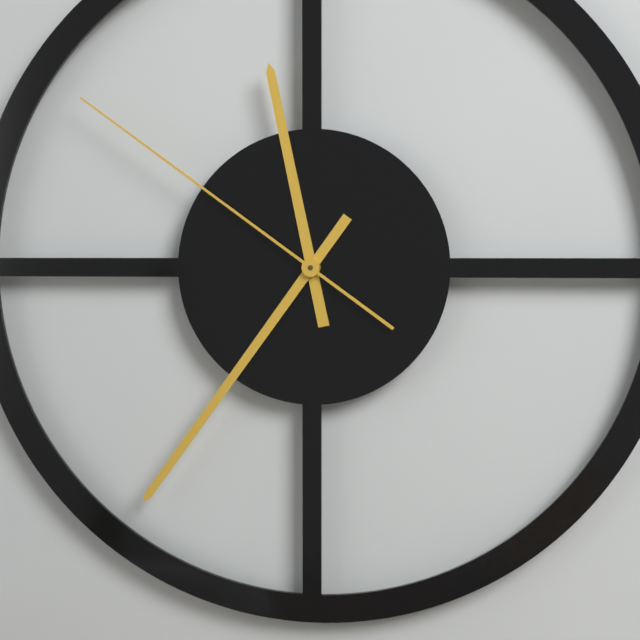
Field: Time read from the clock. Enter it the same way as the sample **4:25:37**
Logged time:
**11:36:51**
